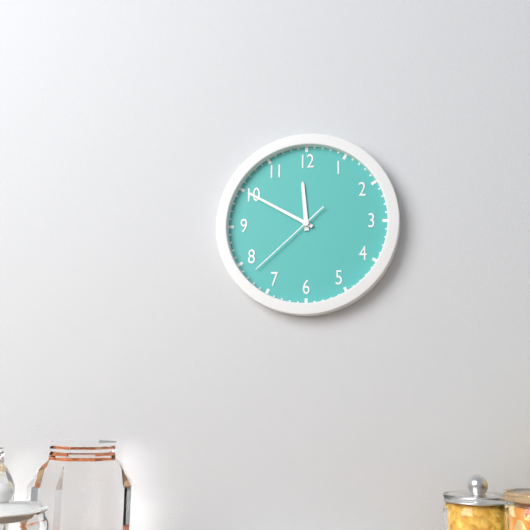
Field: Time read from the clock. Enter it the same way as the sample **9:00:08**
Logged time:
**11:50:38**
